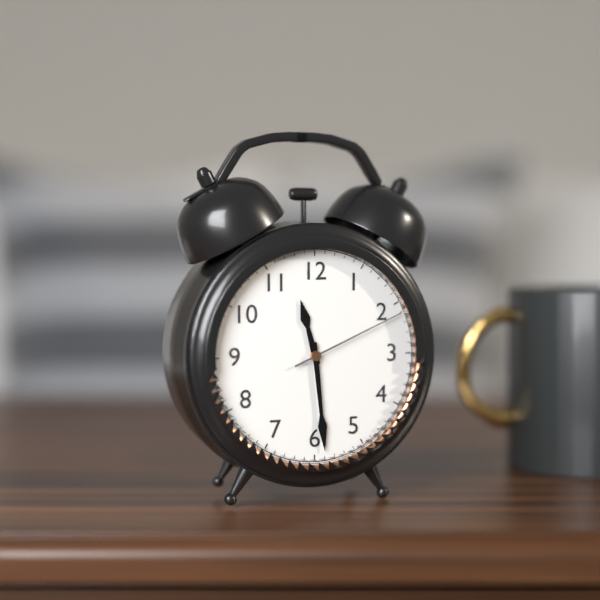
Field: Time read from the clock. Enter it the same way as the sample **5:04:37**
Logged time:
**11:29:11**
